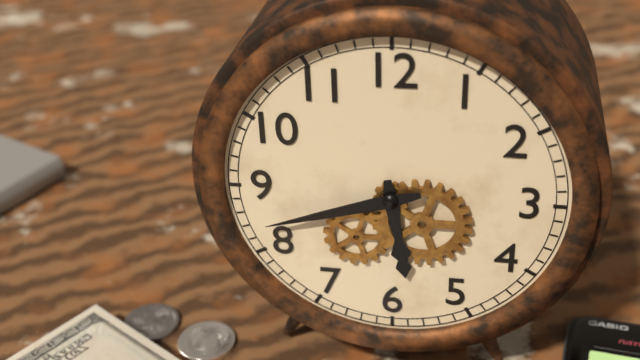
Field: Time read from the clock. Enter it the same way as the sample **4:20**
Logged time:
**5:42**
